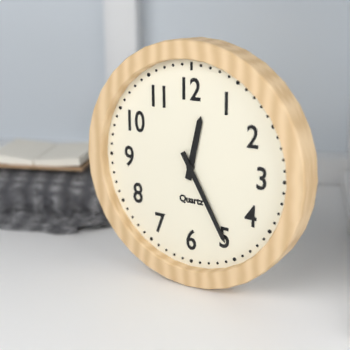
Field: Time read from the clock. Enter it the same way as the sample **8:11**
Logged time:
**12:25**
